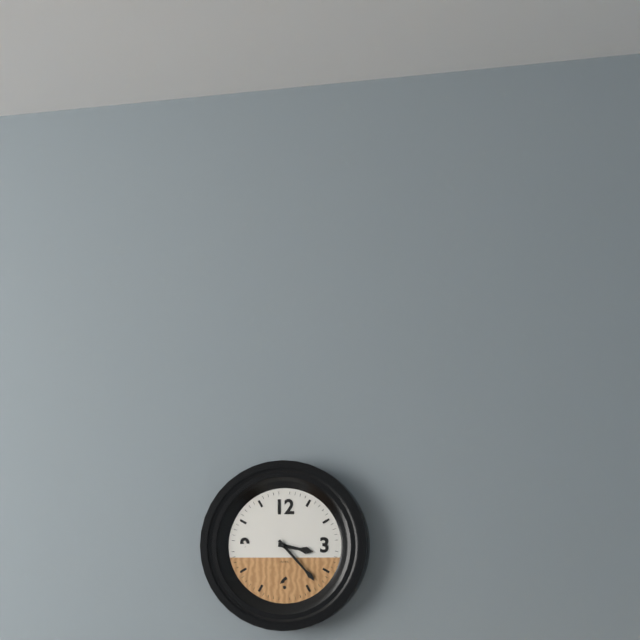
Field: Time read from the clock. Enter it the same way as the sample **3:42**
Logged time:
**3:23**
